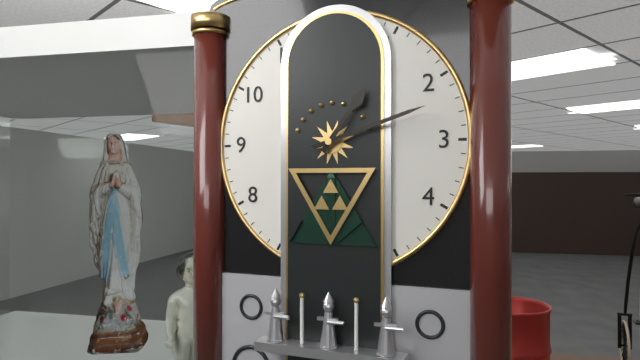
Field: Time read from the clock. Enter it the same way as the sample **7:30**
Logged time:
**1:12**
